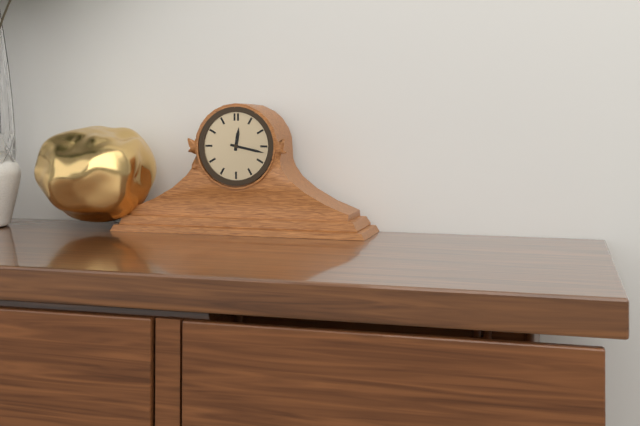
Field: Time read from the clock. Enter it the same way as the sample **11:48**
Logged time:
**12:17**
